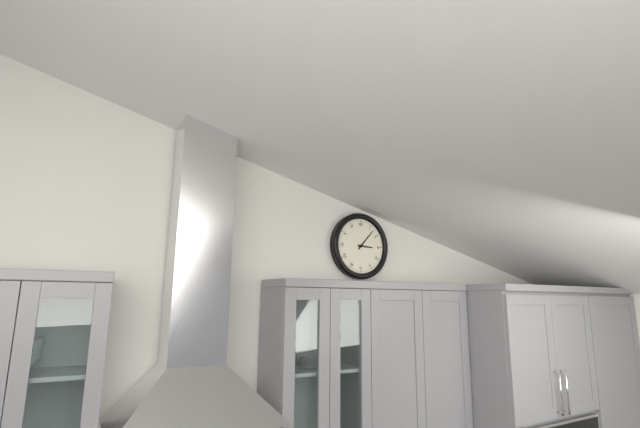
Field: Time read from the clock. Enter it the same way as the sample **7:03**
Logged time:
**3:07**
